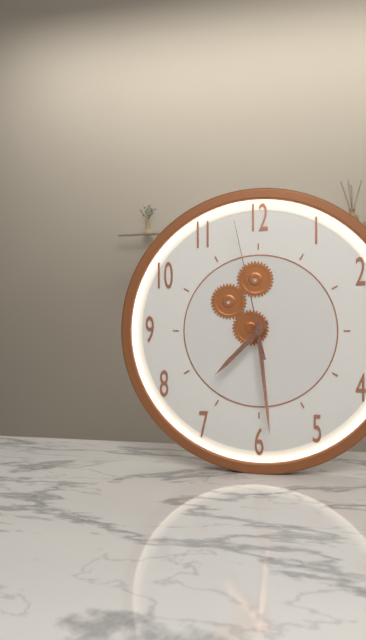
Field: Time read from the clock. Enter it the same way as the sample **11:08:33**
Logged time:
**7:29:58**
